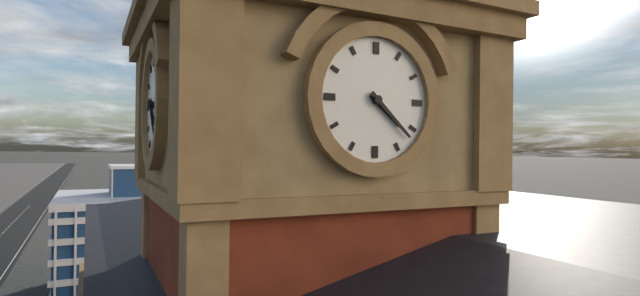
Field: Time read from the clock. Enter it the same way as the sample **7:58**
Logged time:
**4:22**
